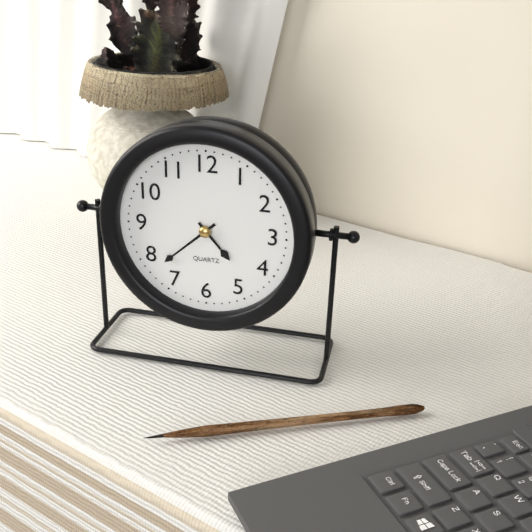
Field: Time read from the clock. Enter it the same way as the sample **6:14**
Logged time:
**4:38**
